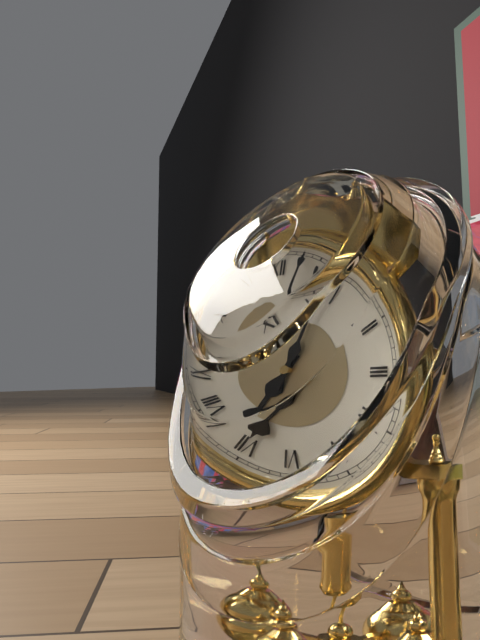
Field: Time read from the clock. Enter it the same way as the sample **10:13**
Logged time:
**7:03**
